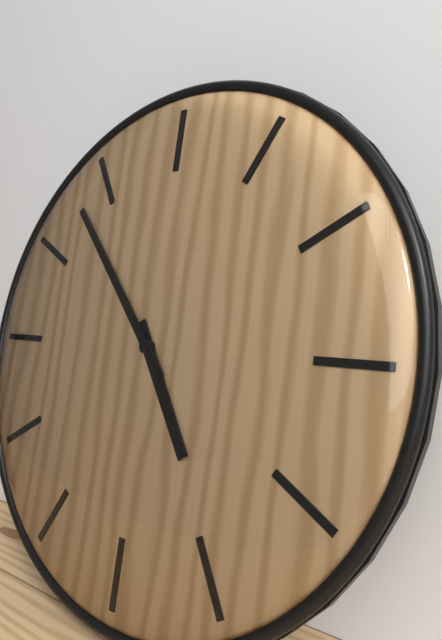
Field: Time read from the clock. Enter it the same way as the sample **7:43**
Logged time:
**4:53**
